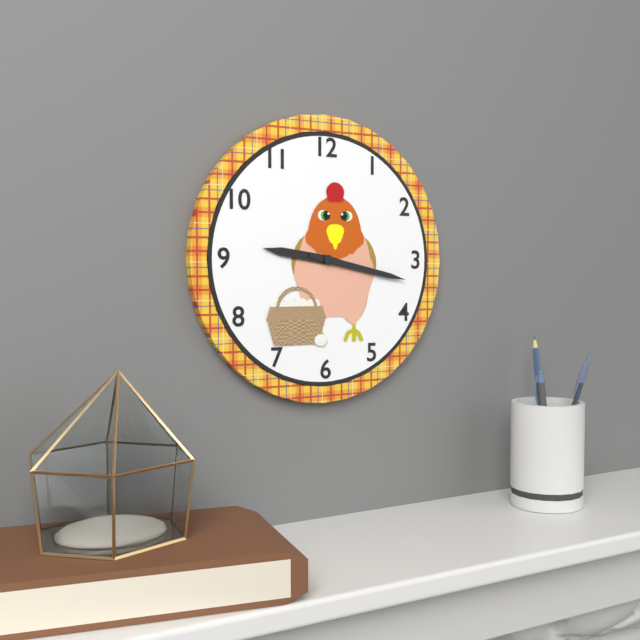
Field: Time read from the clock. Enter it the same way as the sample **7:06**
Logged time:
**9:17**
